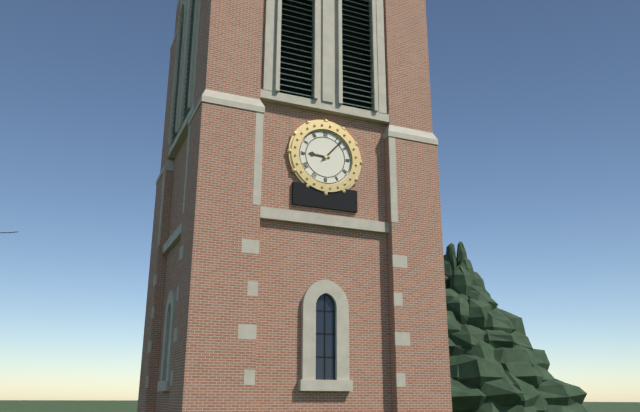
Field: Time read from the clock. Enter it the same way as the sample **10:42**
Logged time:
**9:07**
